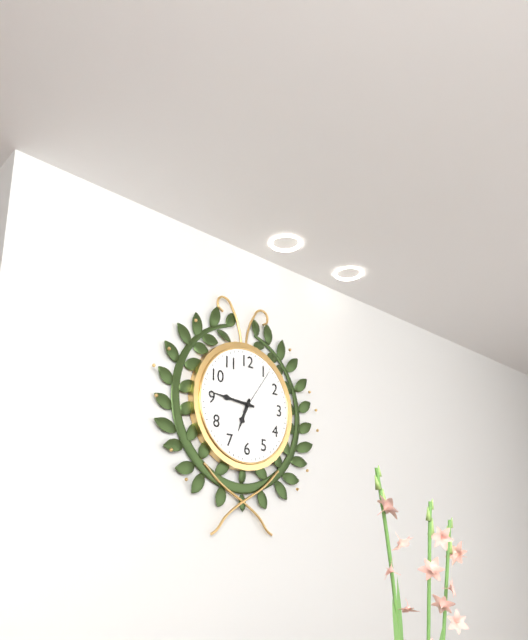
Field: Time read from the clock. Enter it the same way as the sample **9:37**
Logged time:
**6:46**
